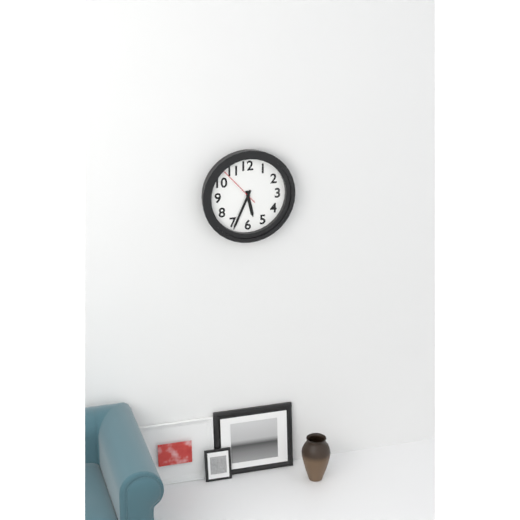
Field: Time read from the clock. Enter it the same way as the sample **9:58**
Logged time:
**5:34**
